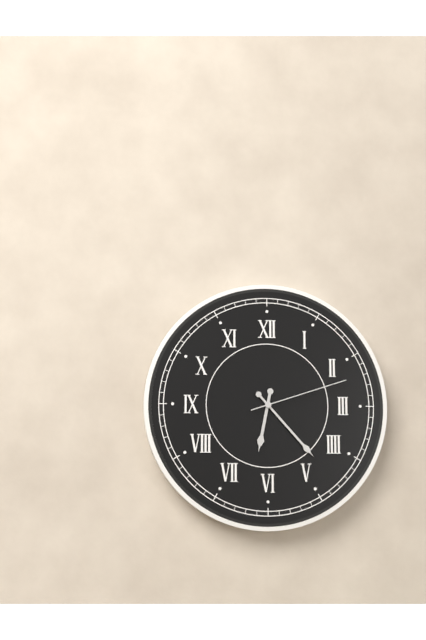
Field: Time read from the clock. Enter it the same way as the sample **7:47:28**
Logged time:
**6:23:12**
